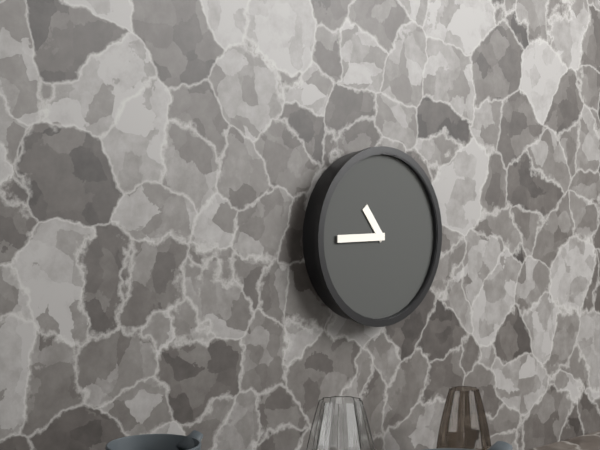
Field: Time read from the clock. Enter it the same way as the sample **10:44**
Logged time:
**10:45**
